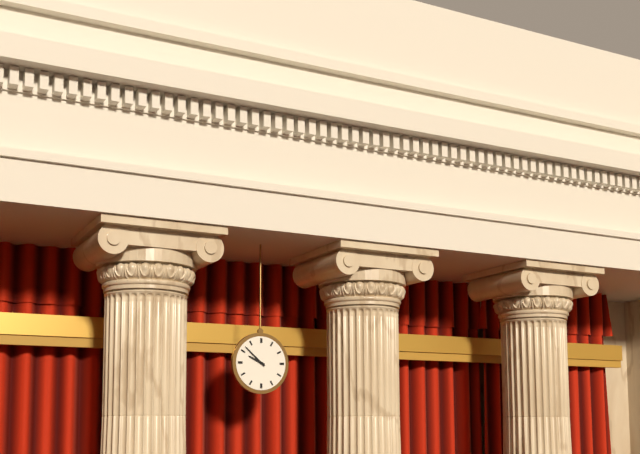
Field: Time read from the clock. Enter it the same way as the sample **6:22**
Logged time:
**9:52**
